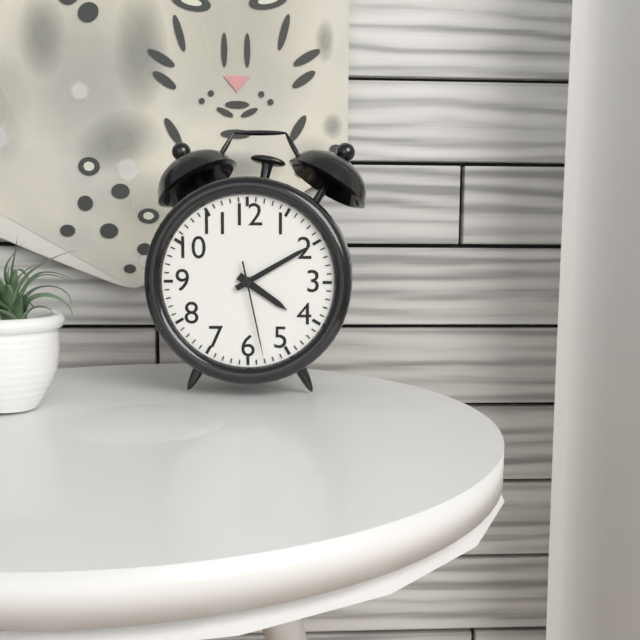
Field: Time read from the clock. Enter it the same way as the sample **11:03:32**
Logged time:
**4:10:28**
